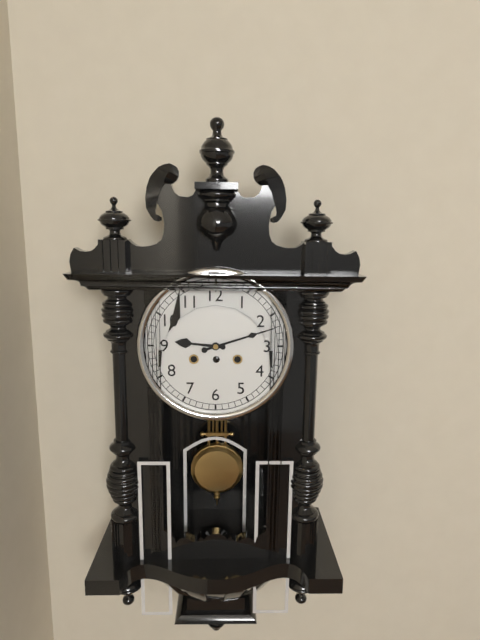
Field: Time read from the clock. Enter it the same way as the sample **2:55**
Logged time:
**9:12**
